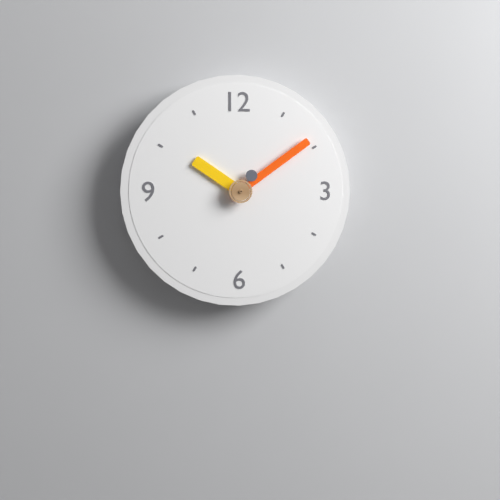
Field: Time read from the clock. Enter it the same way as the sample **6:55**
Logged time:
**10:09**
